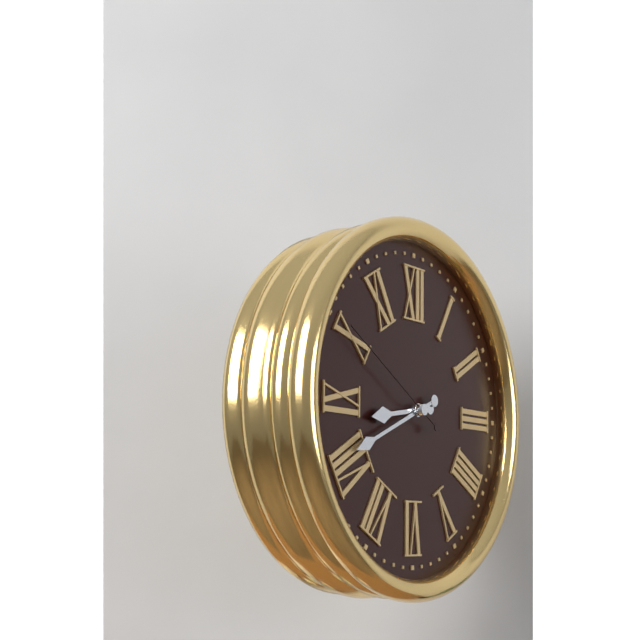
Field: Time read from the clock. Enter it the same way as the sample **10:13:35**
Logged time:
**8:41:50**
